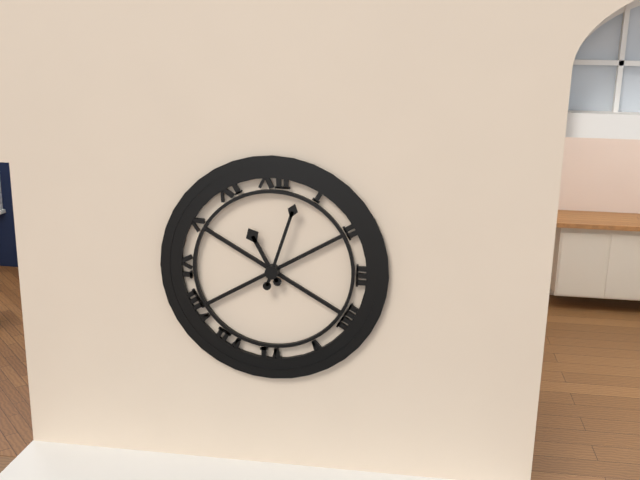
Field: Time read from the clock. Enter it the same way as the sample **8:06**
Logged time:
**11:03**
